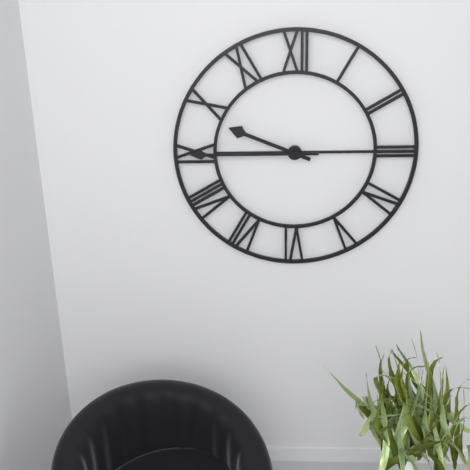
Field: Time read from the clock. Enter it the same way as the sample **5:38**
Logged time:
**9:45**
